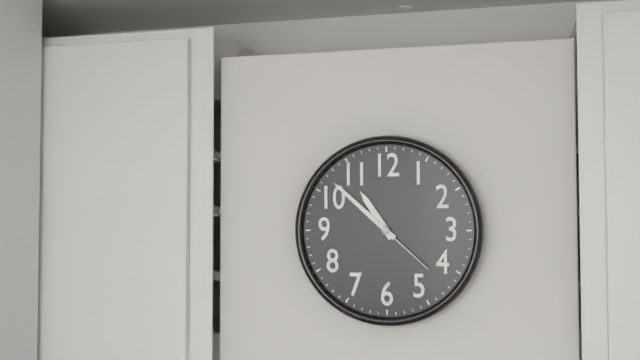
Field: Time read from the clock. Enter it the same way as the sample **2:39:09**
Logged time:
**10:52:22**
